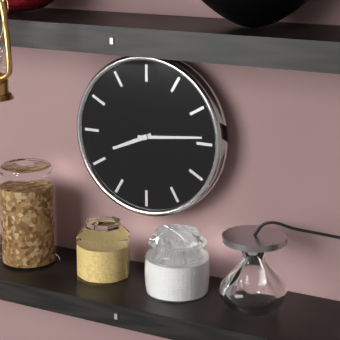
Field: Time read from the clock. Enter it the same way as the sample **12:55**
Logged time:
**8:14**
